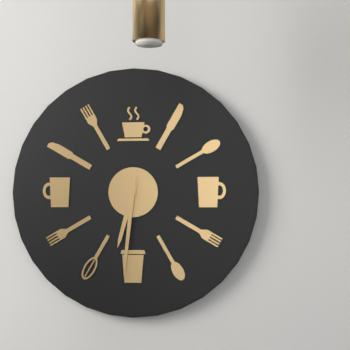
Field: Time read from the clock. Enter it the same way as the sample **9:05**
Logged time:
**6:31**
